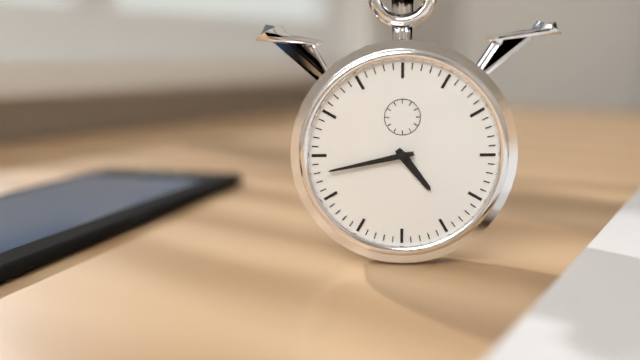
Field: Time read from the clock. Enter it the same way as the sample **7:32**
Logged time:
**4:43**
